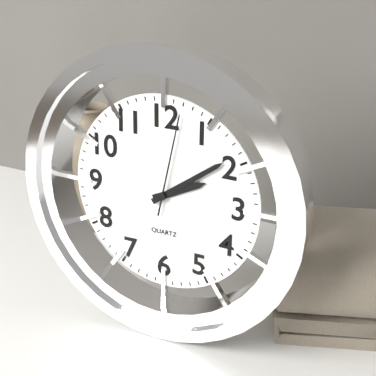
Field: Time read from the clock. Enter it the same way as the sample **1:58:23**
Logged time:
**2:09:02**
